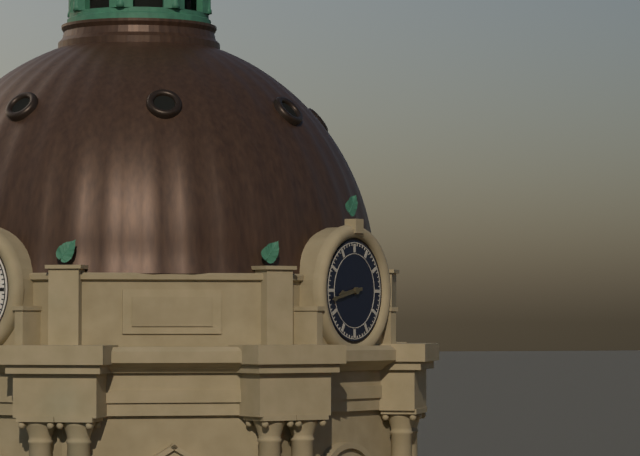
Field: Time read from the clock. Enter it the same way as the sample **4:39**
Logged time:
**8:43**
